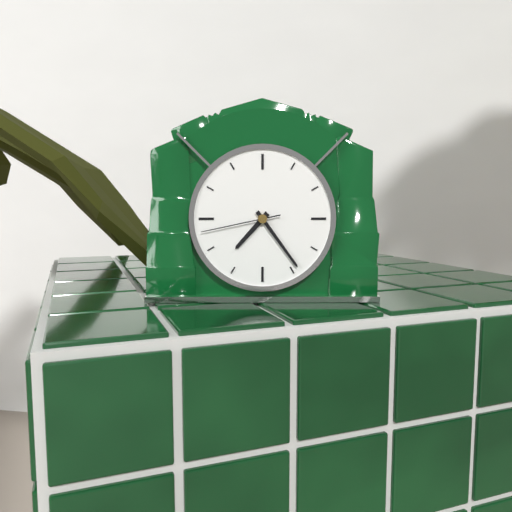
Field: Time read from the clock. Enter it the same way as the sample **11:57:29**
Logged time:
**7:24:43**
